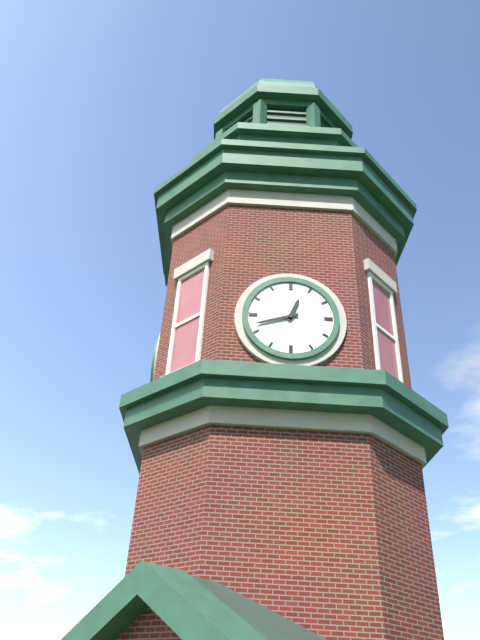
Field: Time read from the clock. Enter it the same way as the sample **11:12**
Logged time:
**12:42**
